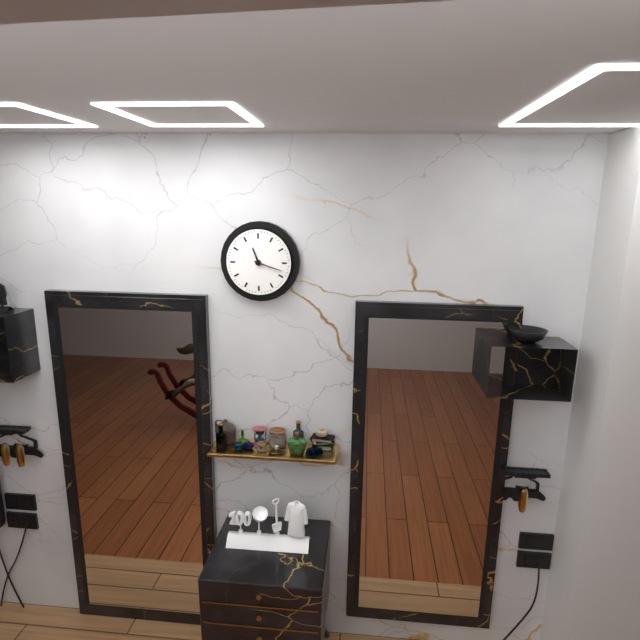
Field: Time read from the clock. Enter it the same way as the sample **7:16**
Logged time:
**11:18**
